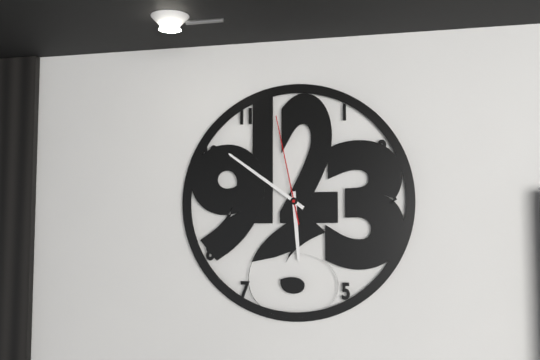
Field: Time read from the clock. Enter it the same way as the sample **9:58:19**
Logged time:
**5:51:58**
